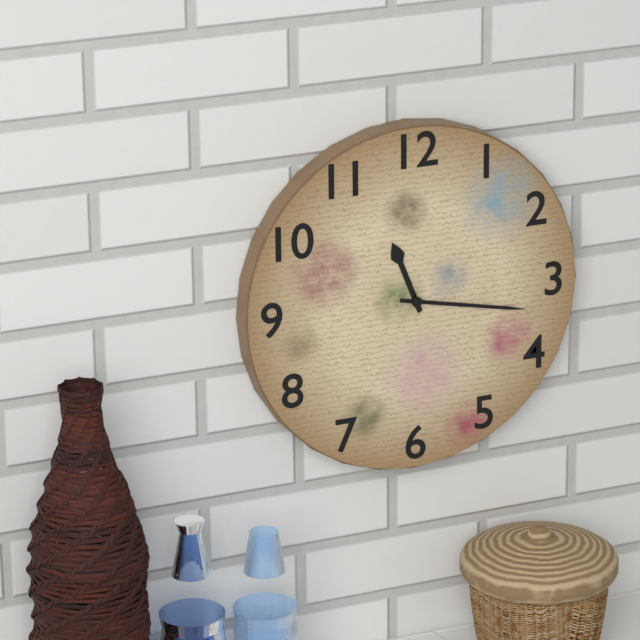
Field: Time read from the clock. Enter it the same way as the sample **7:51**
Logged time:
**11:17**
